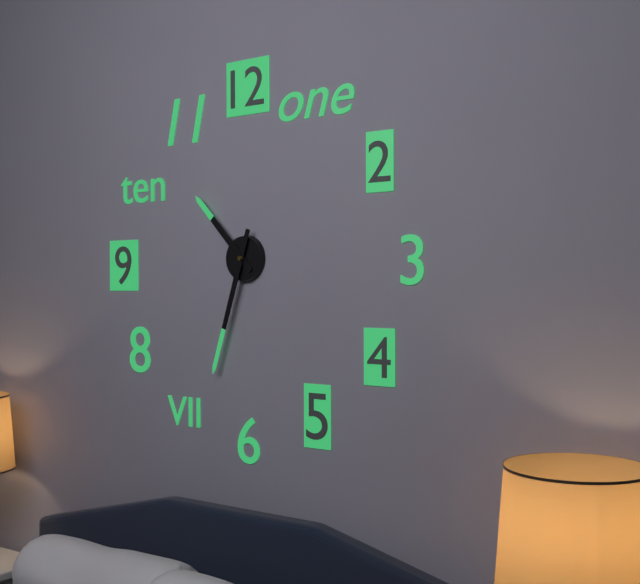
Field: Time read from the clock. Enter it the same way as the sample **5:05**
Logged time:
**10:33**
